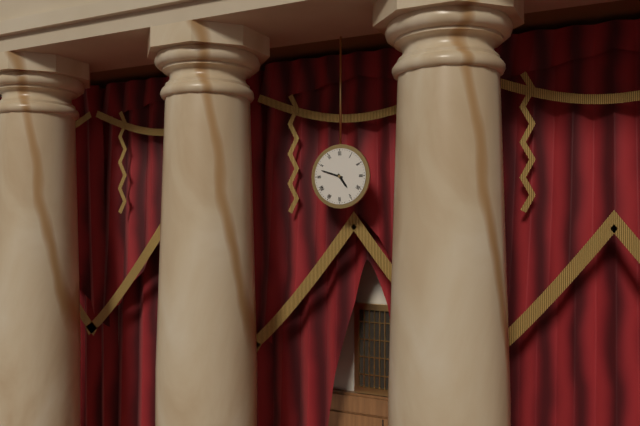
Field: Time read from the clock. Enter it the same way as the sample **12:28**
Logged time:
**4:48**
